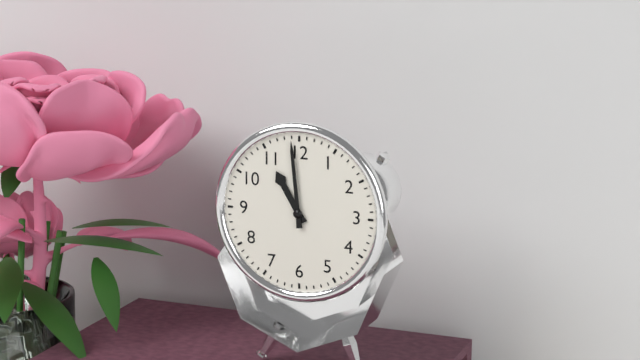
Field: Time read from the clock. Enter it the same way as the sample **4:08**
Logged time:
**10:59**
